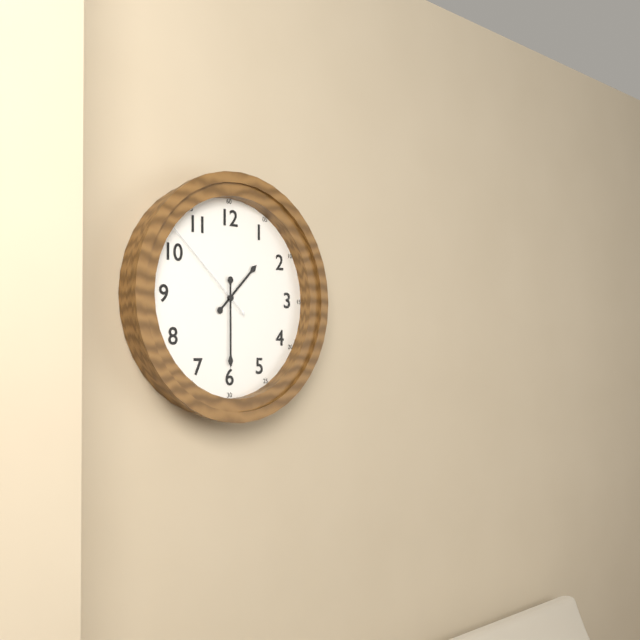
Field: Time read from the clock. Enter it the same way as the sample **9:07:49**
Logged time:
**1:30:52**
